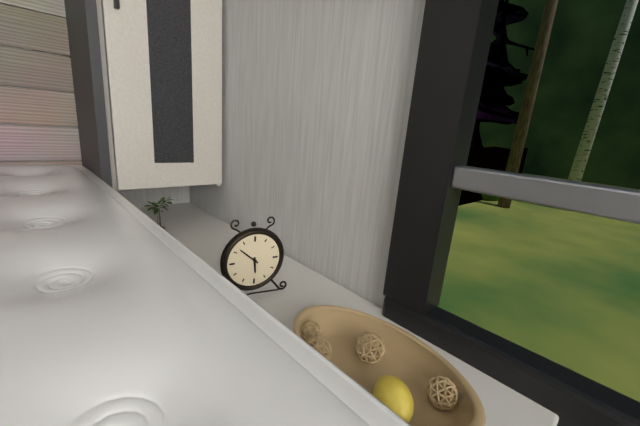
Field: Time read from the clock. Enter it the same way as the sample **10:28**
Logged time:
**5:52**
